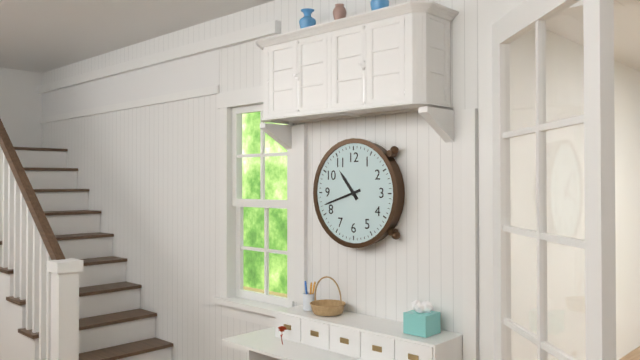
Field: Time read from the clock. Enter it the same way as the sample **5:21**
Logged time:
**10:42**
